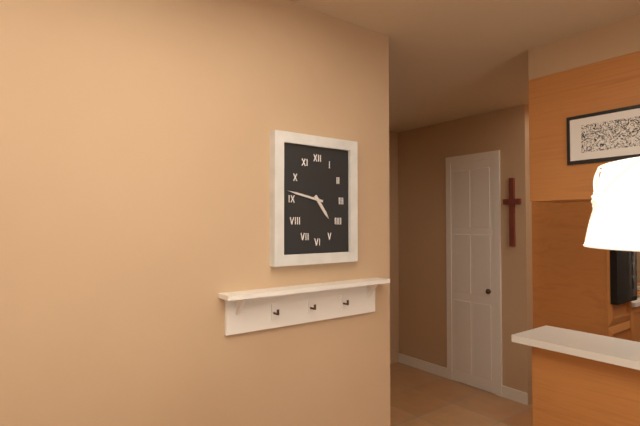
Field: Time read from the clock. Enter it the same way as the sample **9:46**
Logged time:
**4:47**
